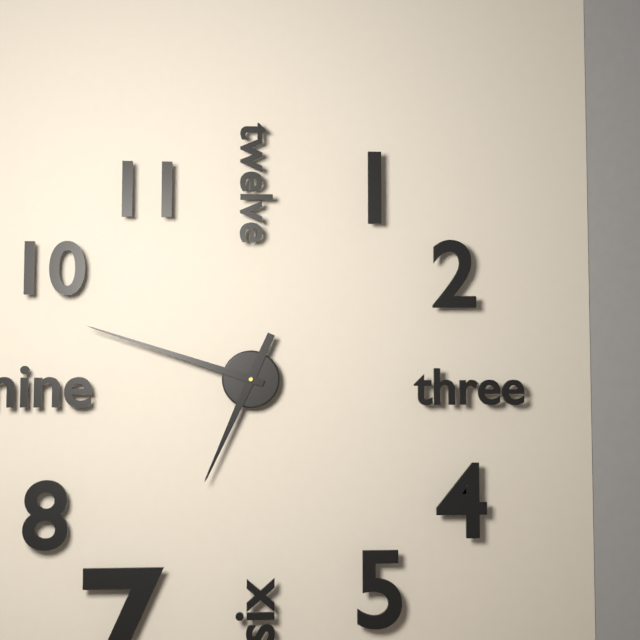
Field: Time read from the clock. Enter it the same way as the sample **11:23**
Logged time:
**6:48**
